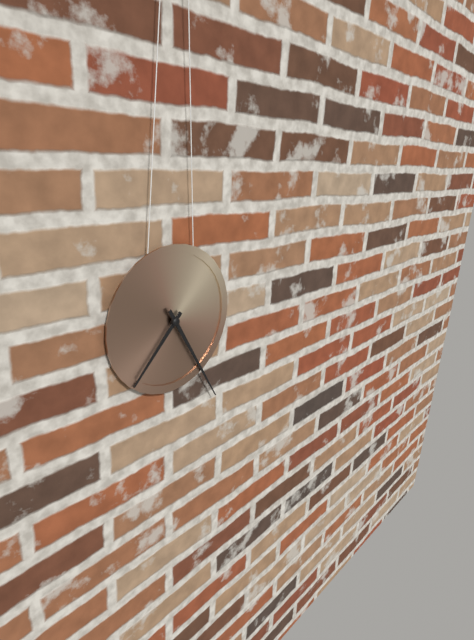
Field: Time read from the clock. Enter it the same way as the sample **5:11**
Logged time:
**7:25**
